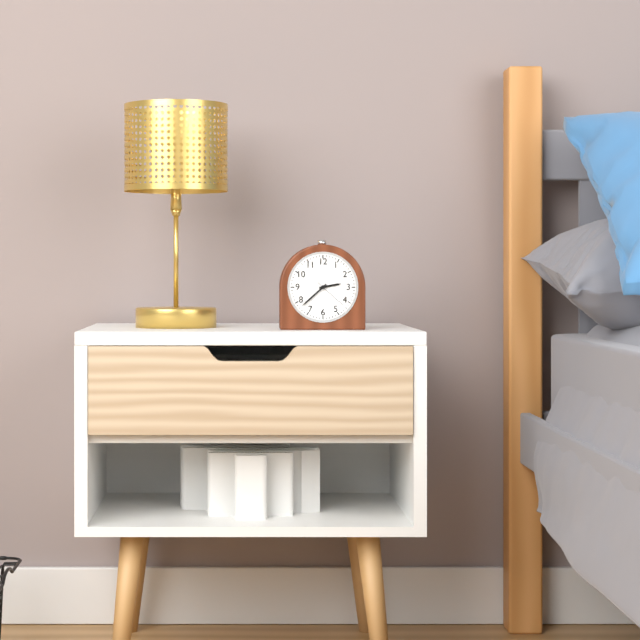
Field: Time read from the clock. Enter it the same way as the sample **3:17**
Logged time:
**2:38**
